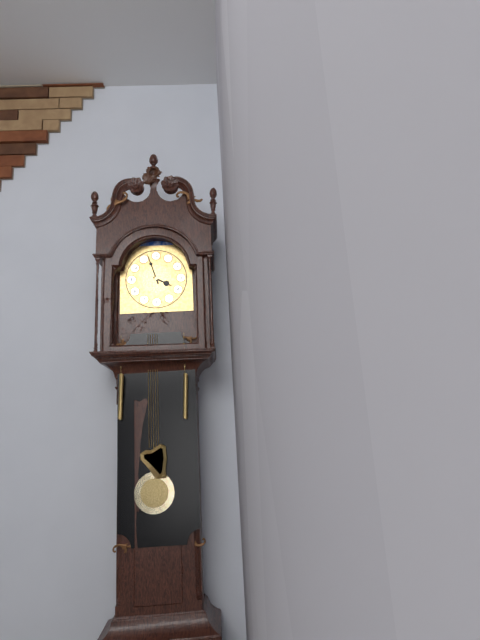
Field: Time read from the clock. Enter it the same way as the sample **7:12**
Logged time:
**3:57**
